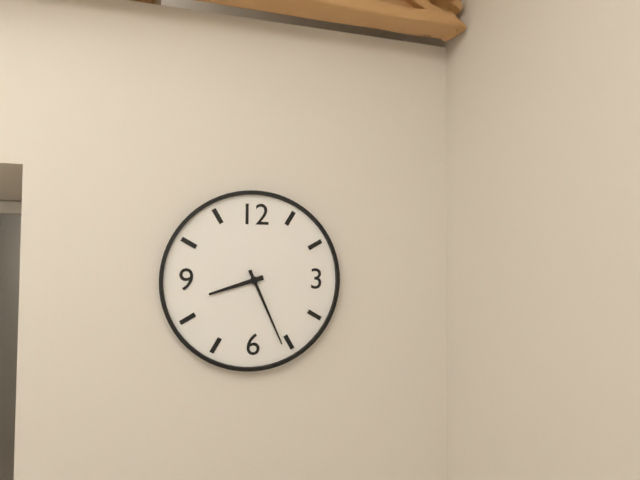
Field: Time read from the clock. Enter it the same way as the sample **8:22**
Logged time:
**8:26**
